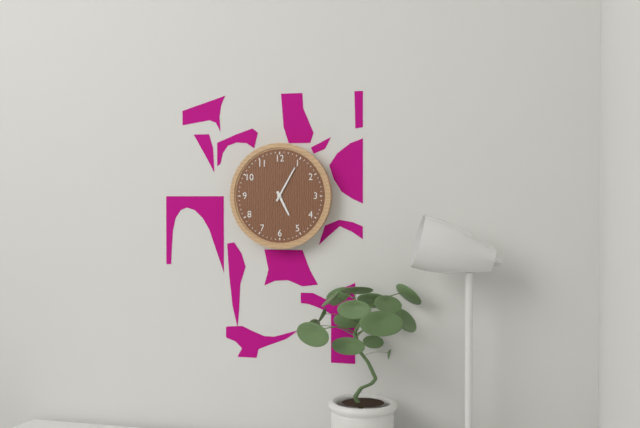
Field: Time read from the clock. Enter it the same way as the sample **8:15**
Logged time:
**5:05**
